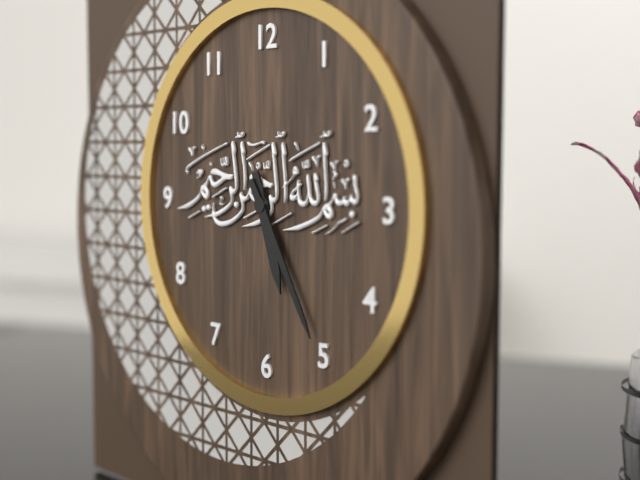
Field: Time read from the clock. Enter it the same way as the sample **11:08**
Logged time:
**5:25**
